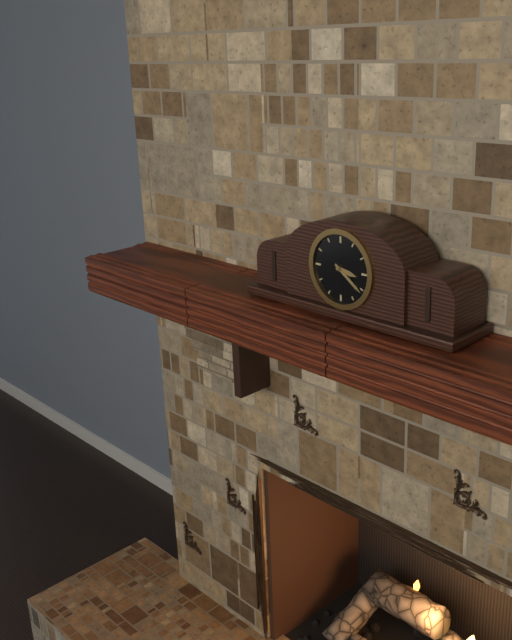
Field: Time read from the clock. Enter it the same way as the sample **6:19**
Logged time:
**3:21**
